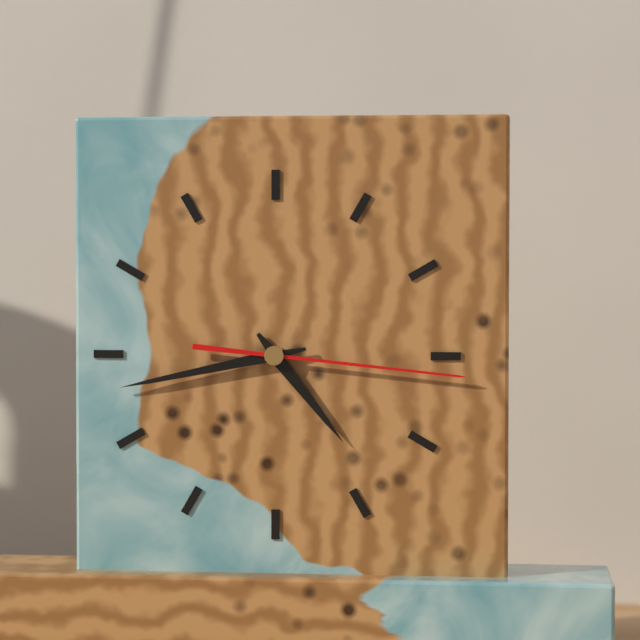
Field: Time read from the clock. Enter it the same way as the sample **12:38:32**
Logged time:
**4:43:16**
